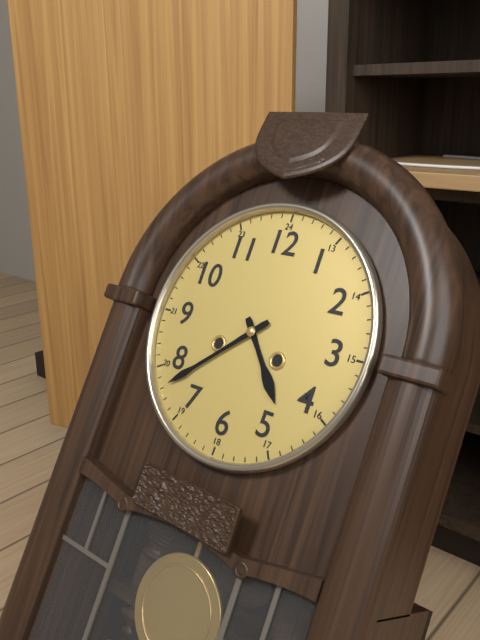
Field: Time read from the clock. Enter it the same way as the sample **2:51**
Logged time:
**4:38**
